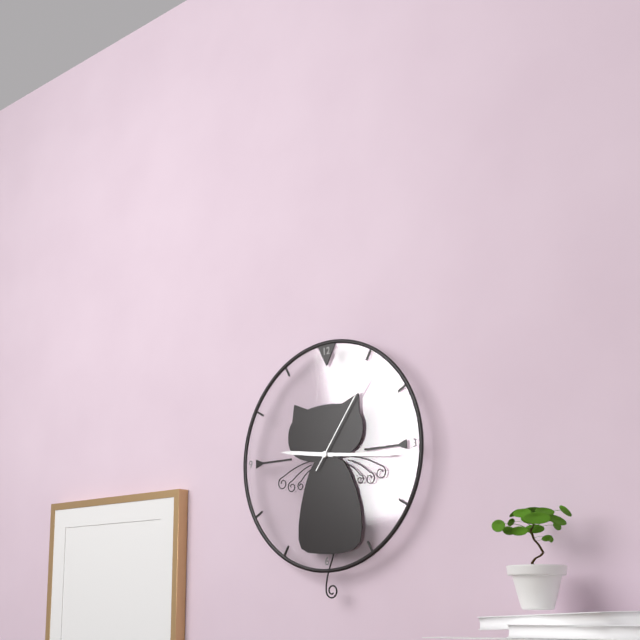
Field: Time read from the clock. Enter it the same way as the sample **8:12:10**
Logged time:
**9:16:06**
